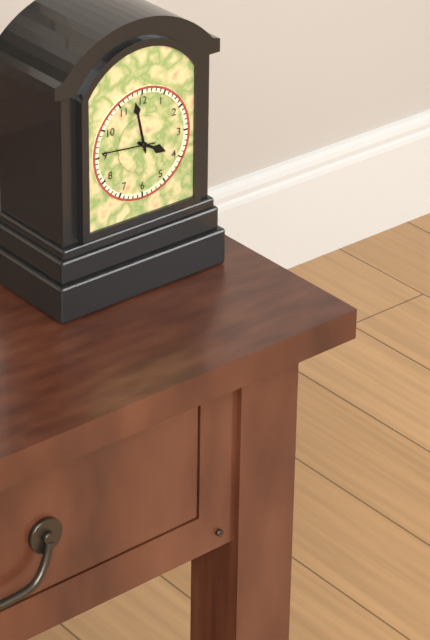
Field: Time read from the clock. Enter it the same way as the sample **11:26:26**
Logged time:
**3:58:46**
